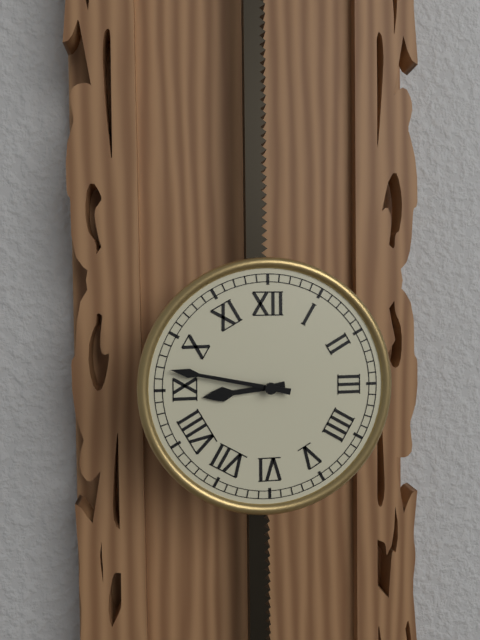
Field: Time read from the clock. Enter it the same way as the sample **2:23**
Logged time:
**8:47**
